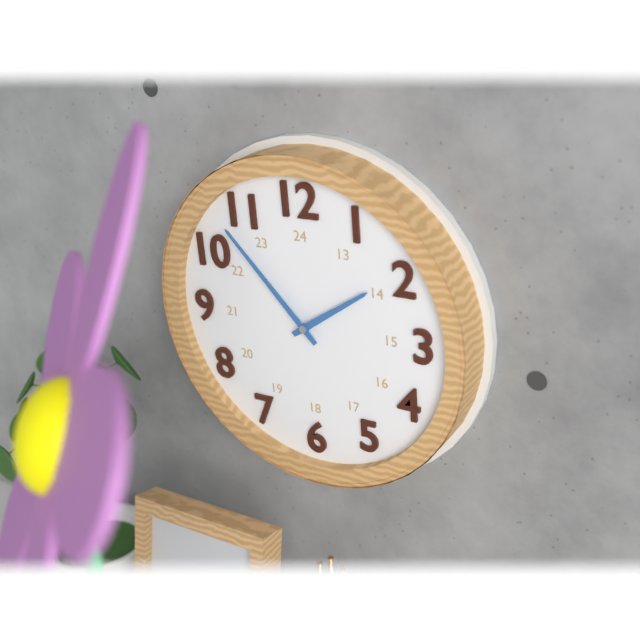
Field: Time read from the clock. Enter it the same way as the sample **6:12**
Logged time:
**1:53**
